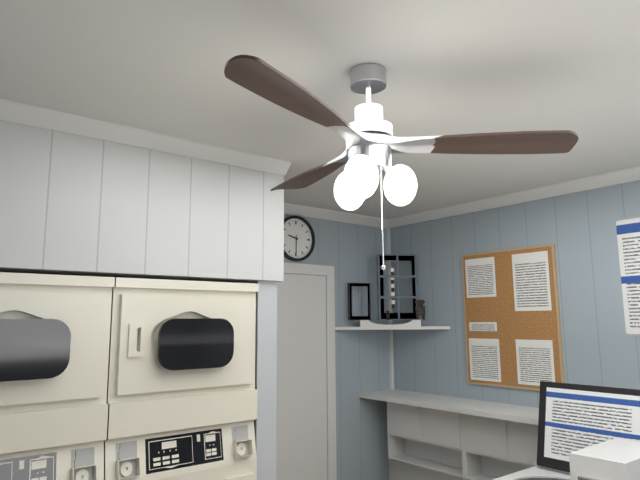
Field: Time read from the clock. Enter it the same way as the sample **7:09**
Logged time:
**9:30**
